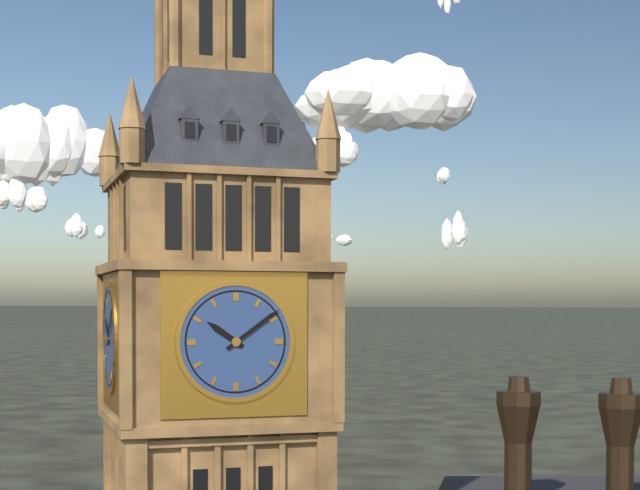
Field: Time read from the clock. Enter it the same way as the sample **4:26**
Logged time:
**10:09**
